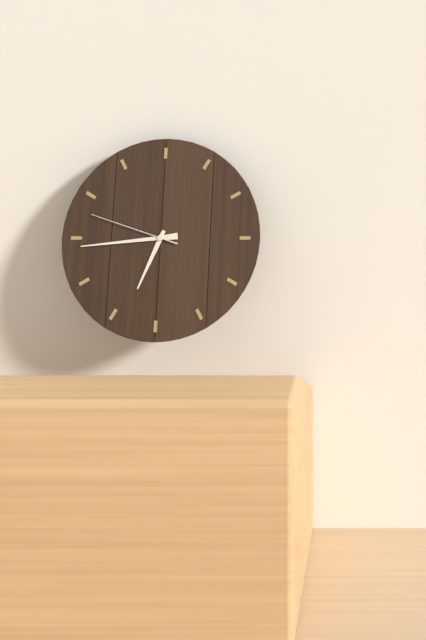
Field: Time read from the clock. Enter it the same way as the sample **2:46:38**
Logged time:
**6:44:48**
